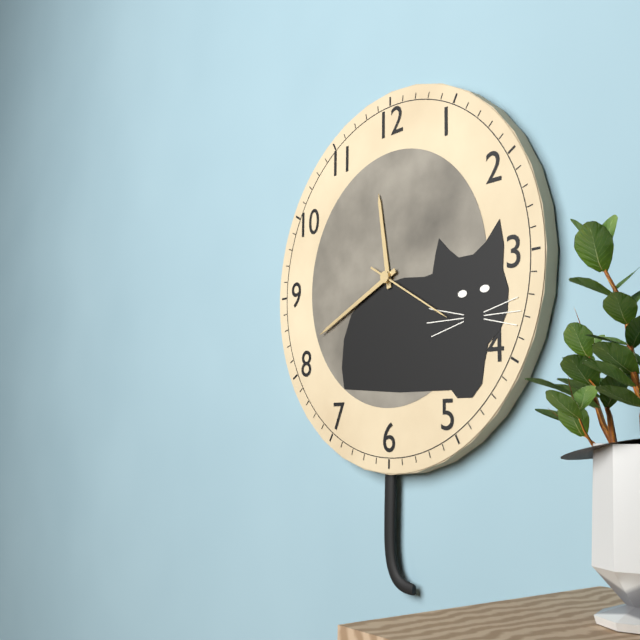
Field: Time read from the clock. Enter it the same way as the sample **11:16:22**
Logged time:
**11:41:20**
